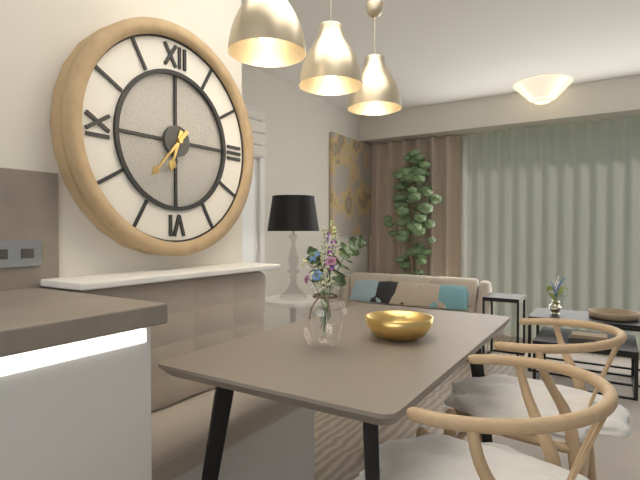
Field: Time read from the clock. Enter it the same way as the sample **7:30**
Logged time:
**6:37**
